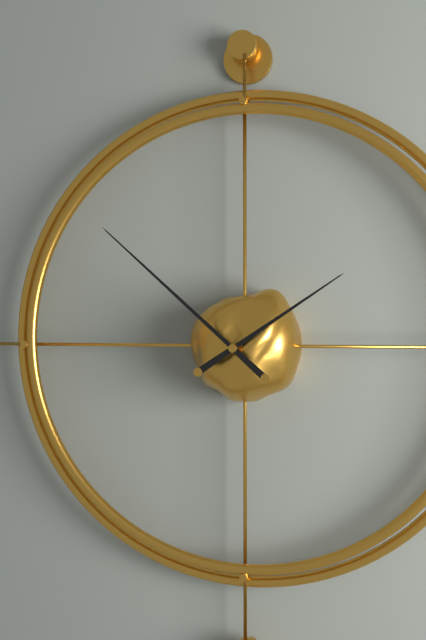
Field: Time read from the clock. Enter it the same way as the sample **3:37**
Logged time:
**1:52**
